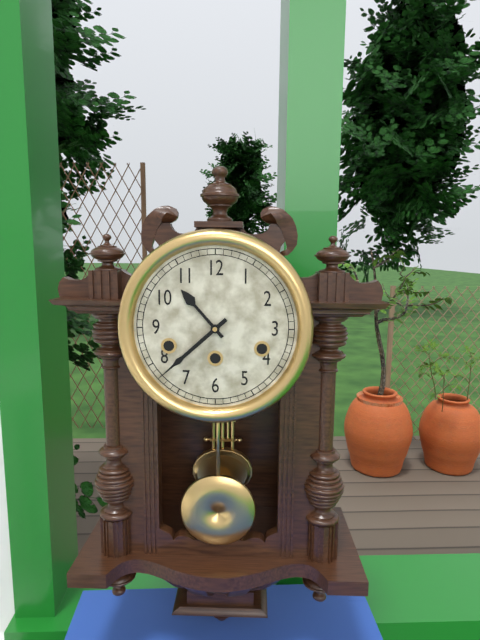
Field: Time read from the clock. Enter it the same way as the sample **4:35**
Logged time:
**10:38**
